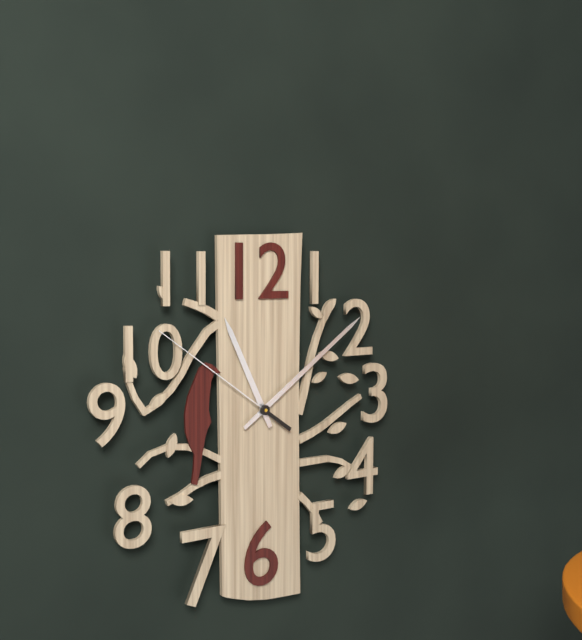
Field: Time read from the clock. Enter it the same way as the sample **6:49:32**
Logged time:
**11:09:51**
